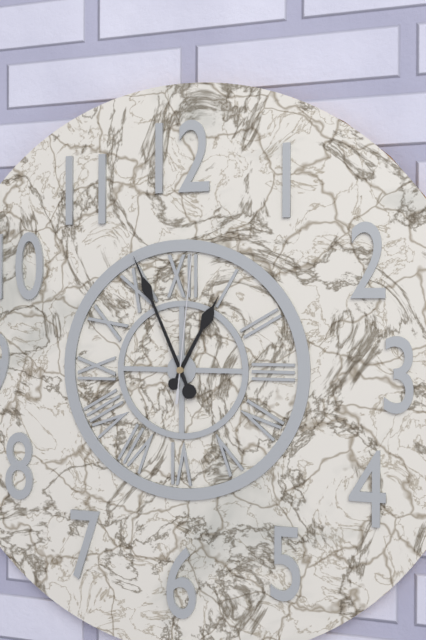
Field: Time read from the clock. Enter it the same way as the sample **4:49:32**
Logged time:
**12:56:01**
